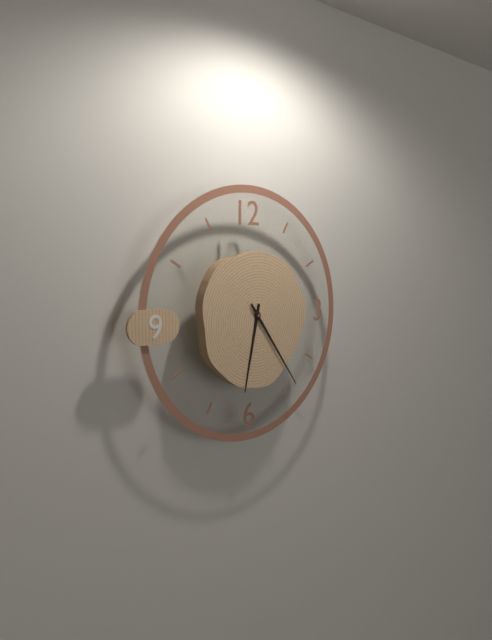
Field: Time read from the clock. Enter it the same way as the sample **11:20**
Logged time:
**6:24**
